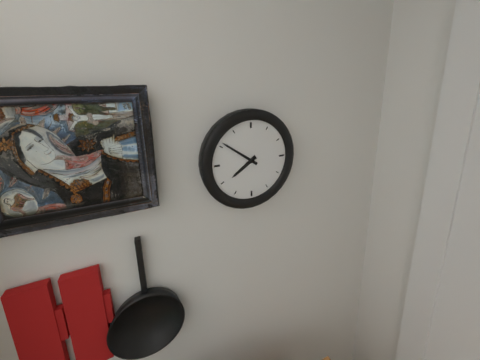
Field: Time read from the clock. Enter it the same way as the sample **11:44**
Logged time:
**7:51**
